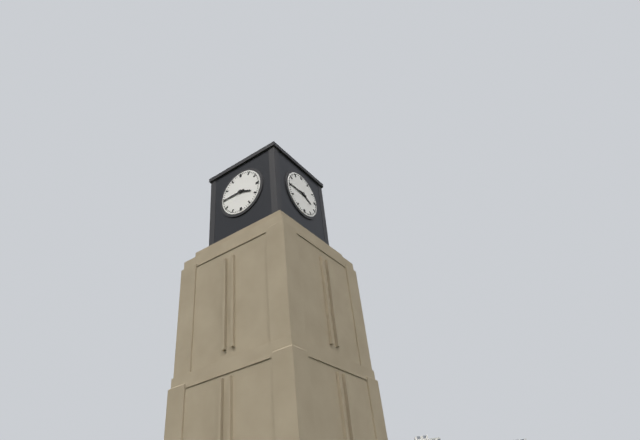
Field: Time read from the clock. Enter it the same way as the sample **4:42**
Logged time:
**3:45**
